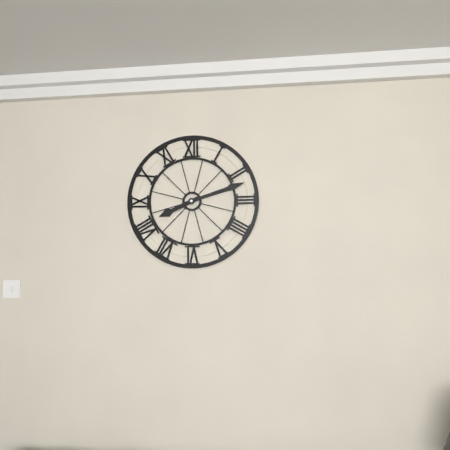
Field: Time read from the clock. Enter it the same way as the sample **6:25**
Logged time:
**8:12**
